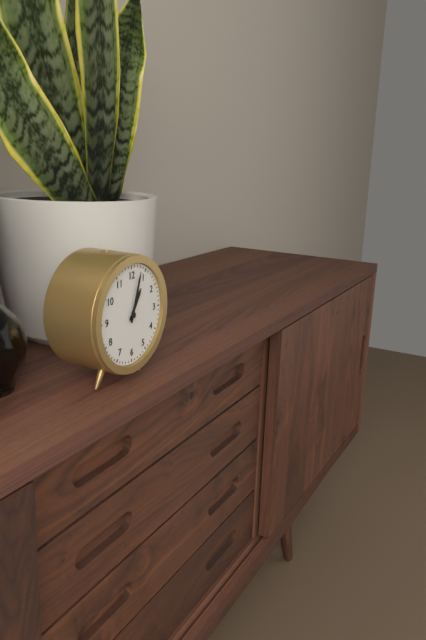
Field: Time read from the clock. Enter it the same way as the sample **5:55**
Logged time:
**1:03**
